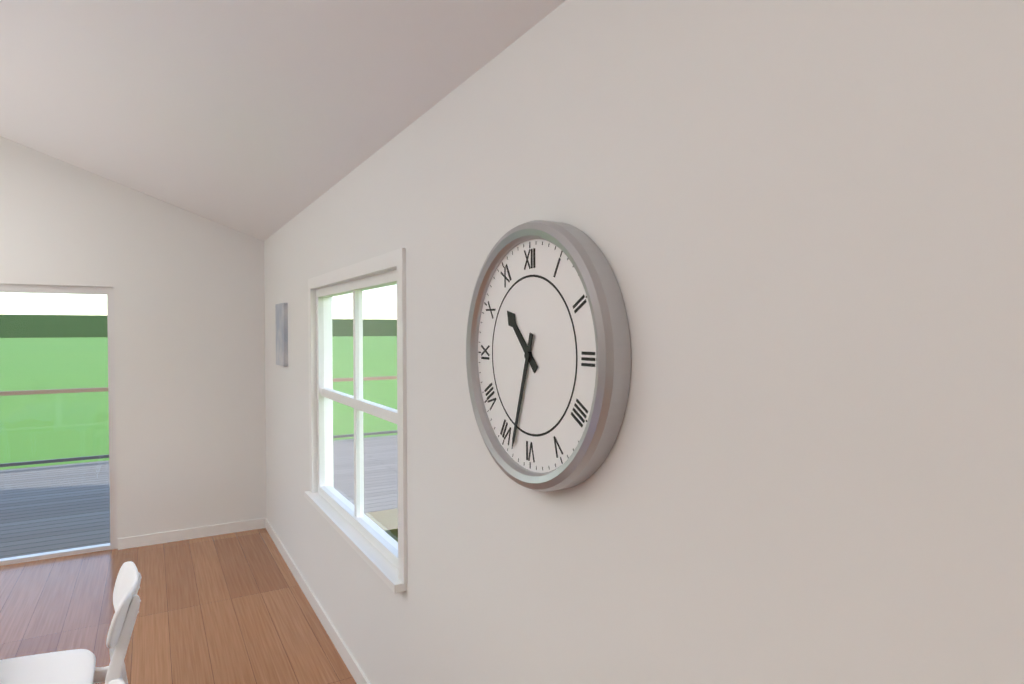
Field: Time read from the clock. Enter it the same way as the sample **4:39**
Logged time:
**10:33**
